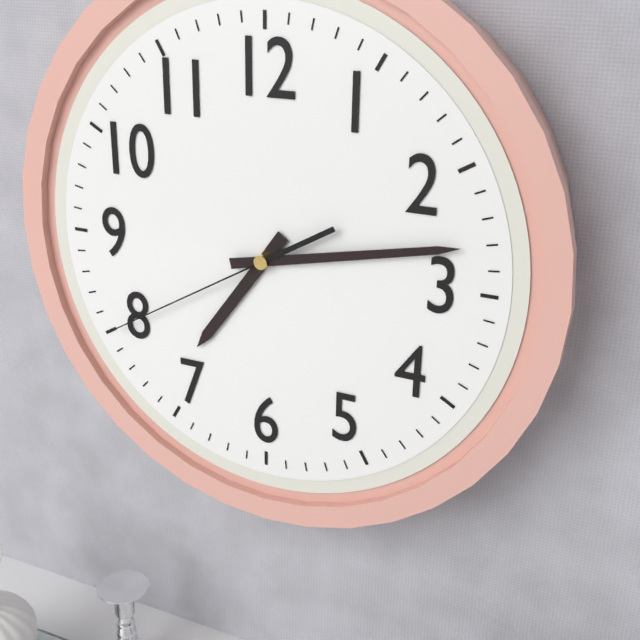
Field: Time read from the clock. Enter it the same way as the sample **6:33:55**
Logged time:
**7:13:40**
